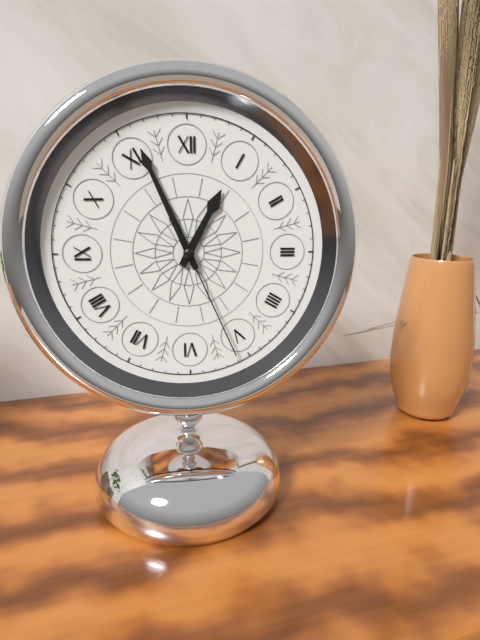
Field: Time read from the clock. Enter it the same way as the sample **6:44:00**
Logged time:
**12:56:26**
